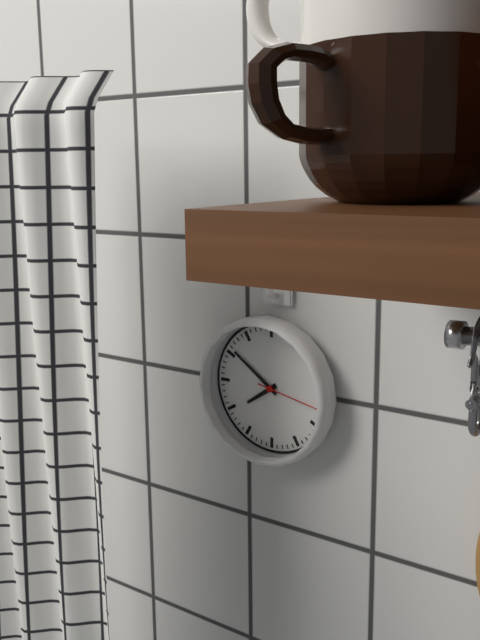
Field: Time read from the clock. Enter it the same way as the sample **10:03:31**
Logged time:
**7:51:17**
